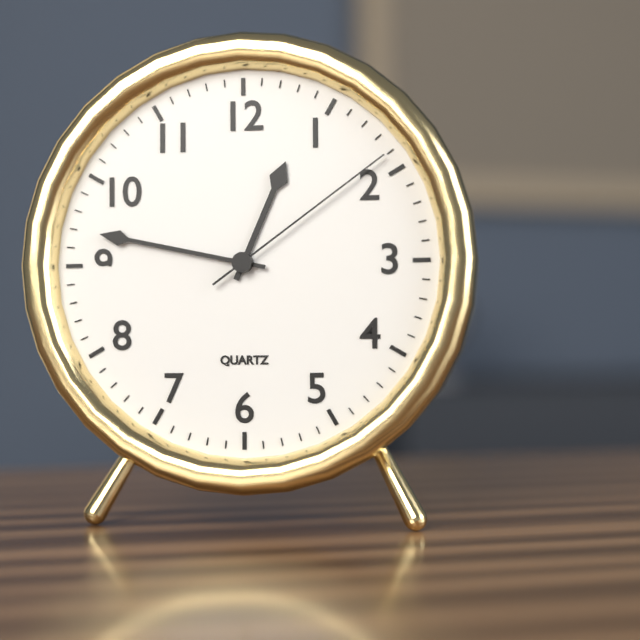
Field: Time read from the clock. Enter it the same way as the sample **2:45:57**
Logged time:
**12:47:09**
